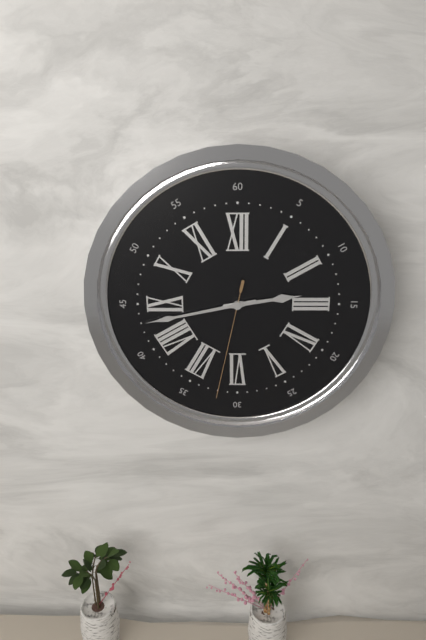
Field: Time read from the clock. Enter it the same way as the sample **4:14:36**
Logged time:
**2:43:32**
